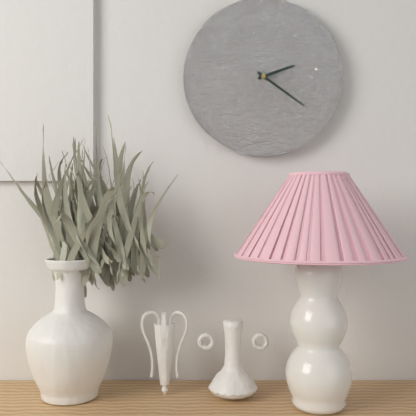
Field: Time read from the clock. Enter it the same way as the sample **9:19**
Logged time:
**2:21**
